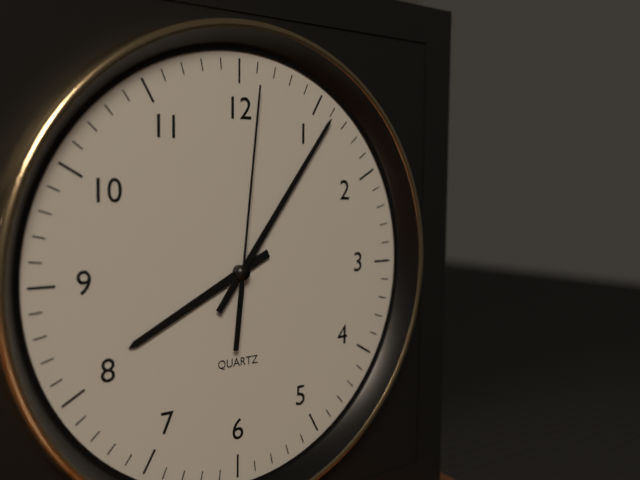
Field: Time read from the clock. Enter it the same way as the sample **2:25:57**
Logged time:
**8:06:01**
